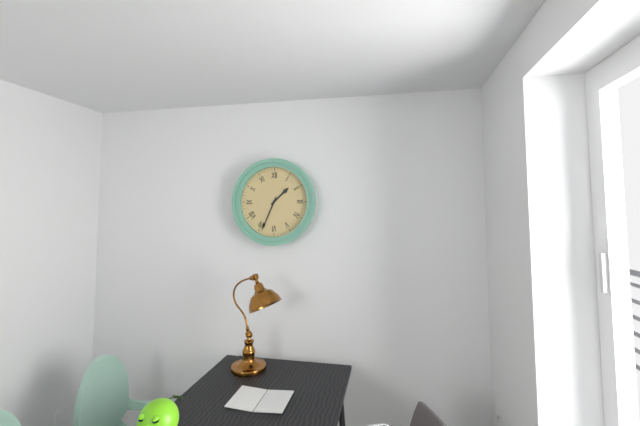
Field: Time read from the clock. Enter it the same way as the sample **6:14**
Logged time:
**1:34**
